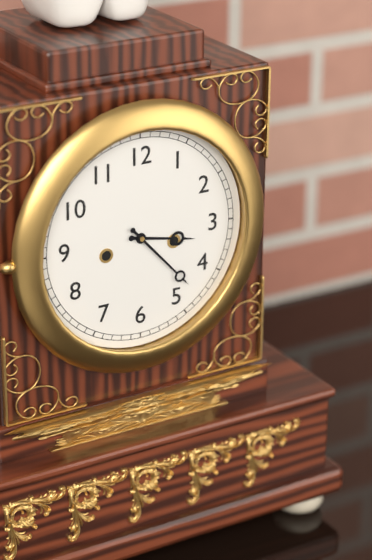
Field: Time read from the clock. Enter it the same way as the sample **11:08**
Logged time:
**3:23**
